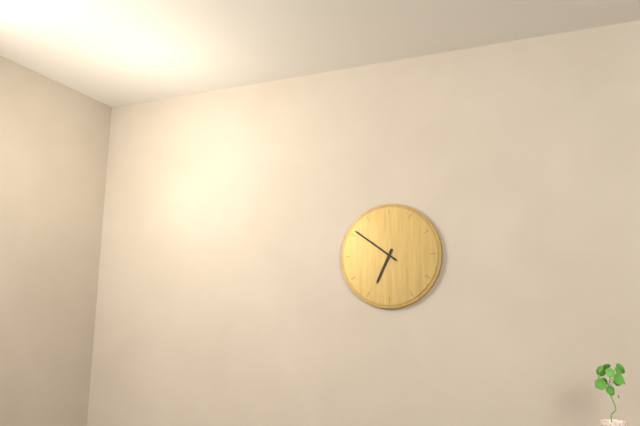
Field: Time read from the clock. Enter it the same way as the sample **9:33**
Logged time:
**6:51**
